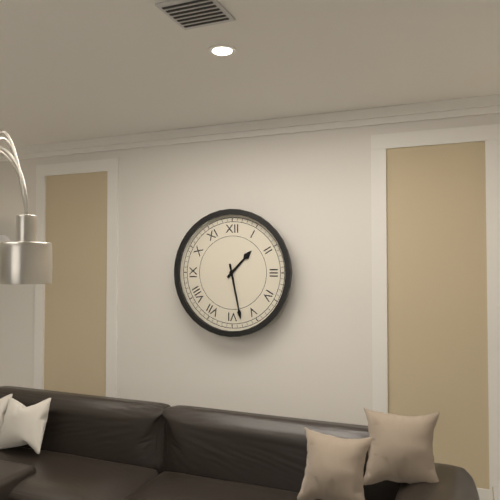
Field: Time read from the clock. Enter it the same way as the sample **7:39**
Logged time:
**1:28**
